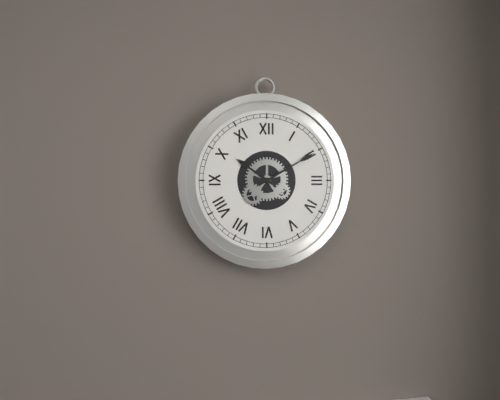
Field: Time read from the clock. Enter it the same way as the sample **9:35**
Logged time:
**10:10**
